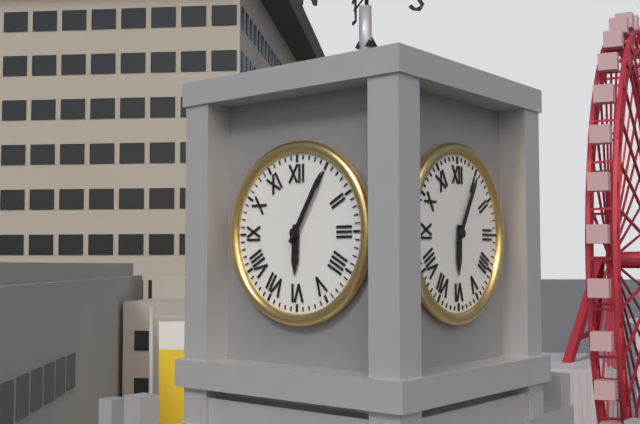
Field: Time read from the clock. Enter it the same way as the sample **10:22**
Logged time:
**6:05**
